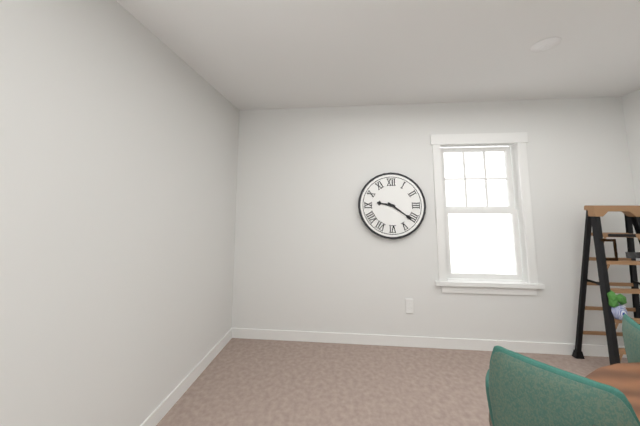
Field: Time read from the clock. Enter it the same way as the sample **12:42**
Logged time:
**9:21**
